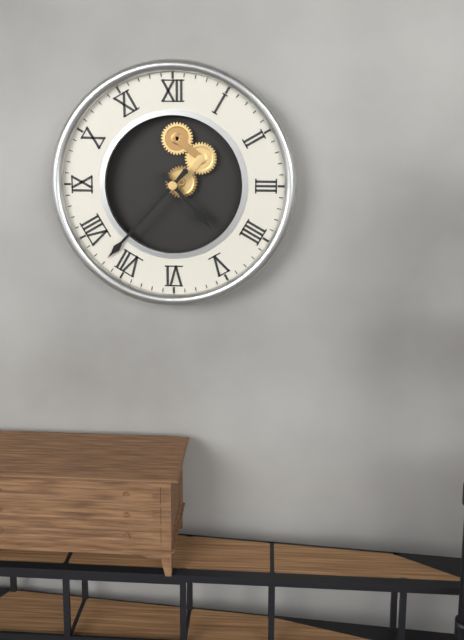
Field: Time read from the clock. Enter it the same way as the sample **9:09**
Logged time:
**4:37**
